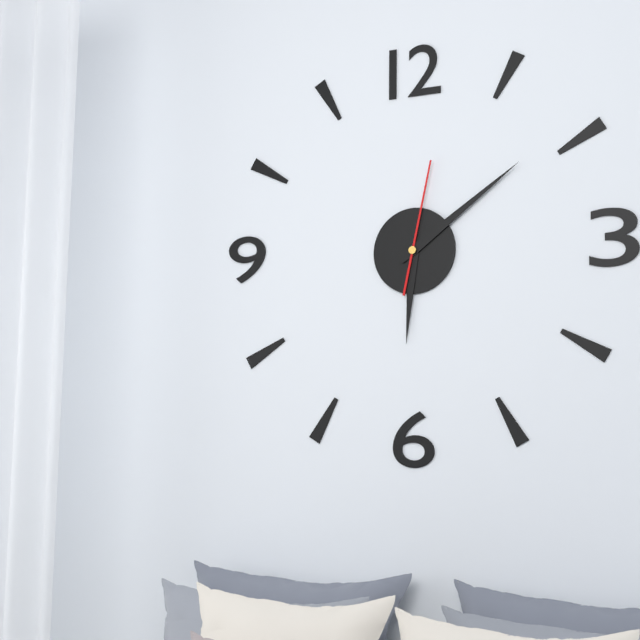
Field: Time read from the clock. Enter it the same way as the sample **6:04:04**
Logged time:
**6:09:02**
